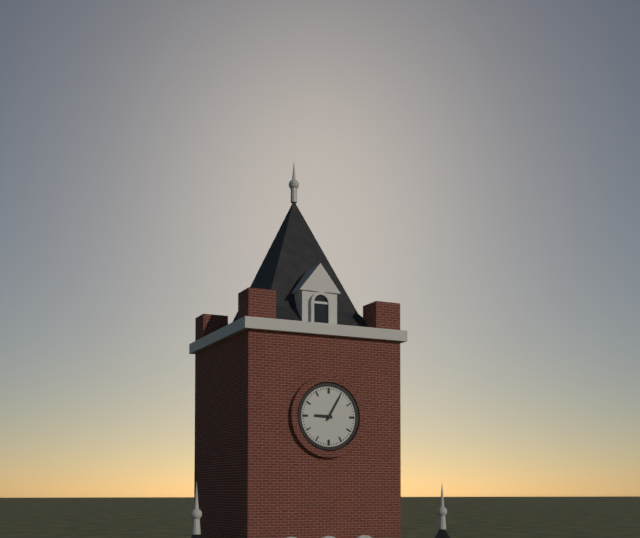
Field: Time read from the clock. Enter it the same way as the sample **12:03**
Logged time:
**9:05**
